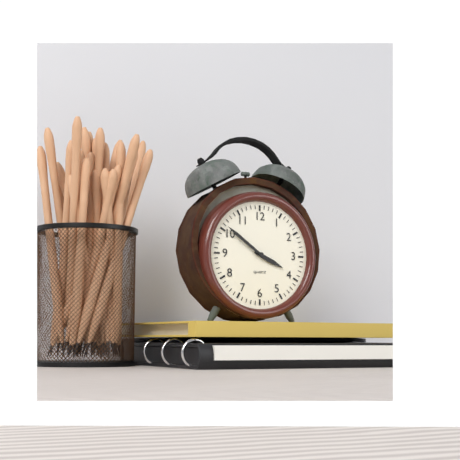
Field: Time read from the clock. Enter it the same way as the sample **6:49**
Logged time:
**3:51**
